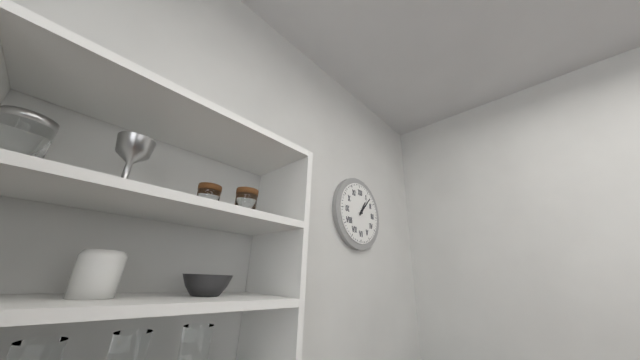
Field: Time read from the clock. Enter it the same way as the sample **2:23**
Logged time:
**1:07**
